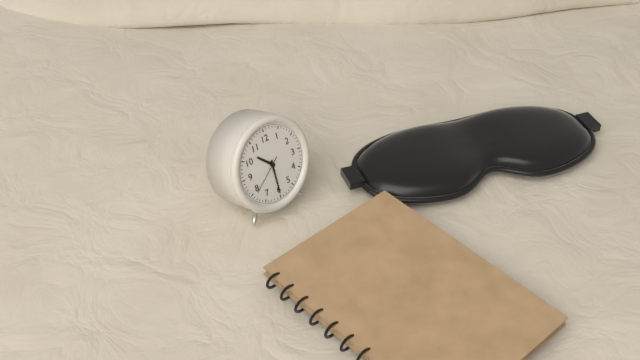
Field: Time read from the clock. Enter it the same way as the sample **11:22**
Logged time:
**10:30**
